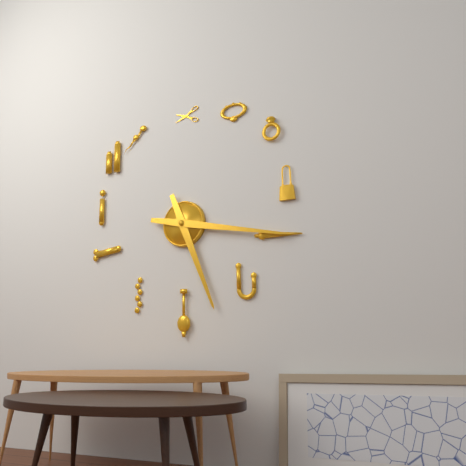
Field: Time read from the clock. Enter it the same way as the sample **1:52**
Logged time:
**5:17**
